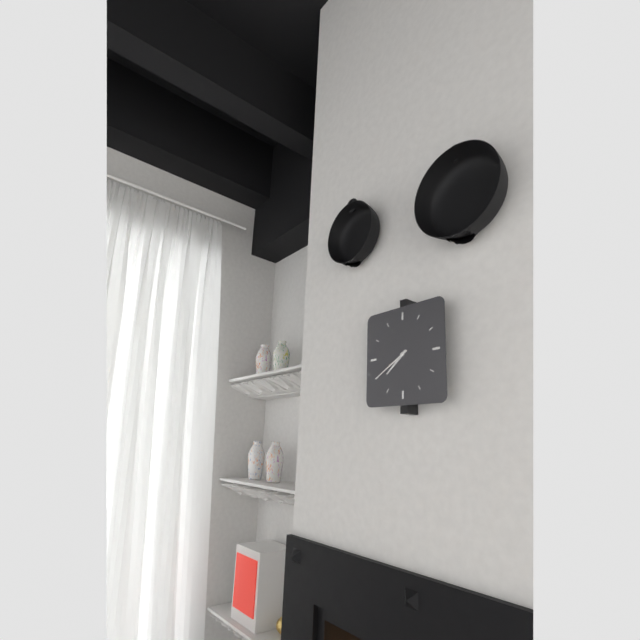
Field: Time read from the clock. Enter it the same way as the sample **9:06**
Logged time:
**7:40**
